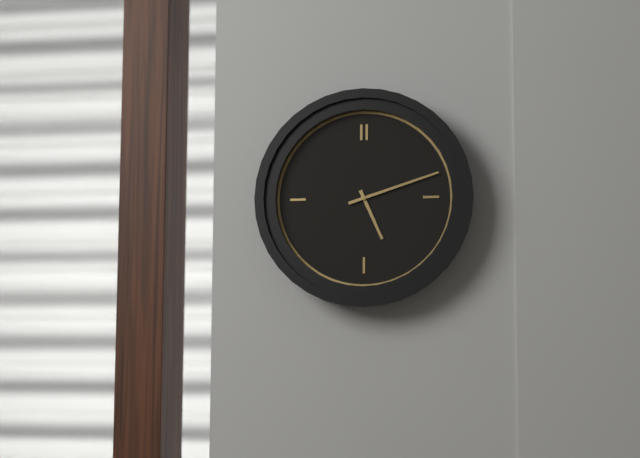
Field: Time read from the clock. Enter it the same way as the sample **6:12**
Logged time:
**5:12**
